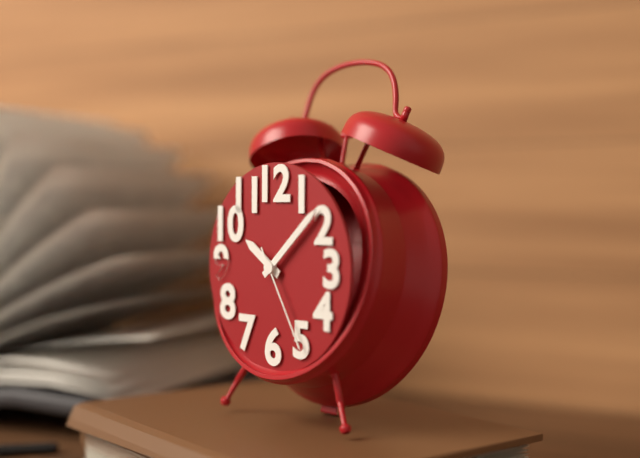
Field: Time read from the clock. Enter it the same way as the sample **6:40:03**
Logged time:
**10:08:25**
